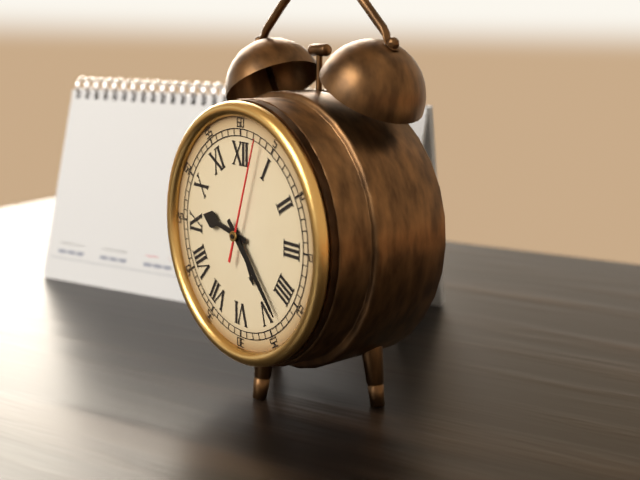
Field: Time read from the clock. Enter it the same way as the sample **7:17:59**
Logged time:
**9:23:03**
